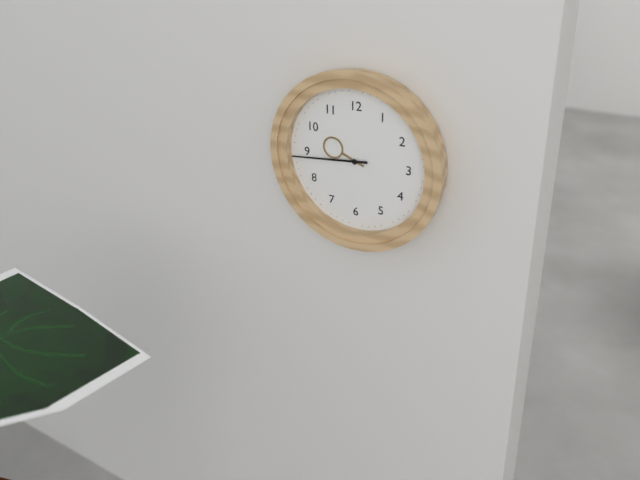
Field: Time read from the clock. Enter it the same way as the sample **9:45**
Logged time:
**9:44**
